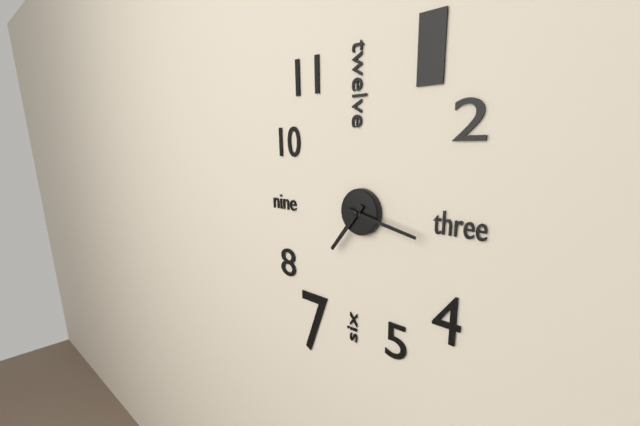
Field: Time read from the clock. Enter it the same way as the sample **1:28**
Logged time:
**7:17**
